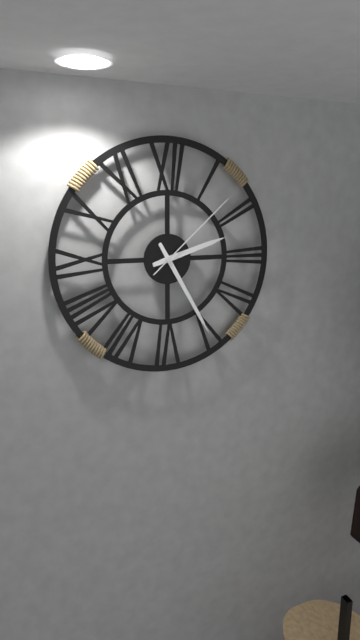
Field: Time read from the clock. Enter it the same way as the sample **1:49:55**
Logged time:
**2:25:08**
